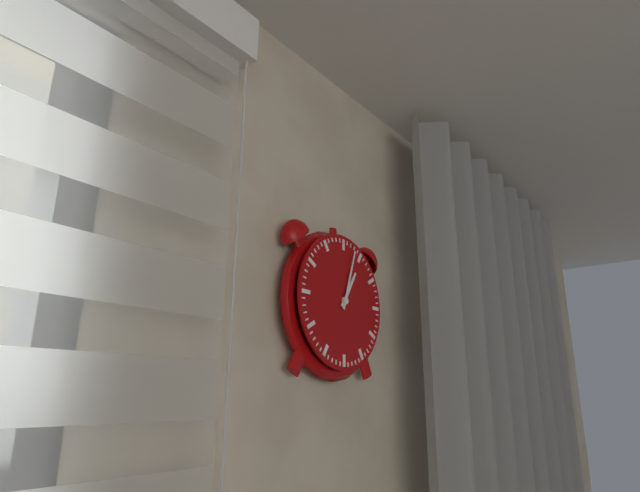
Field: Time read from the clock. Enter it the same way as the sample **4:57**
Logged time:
**1:03**
